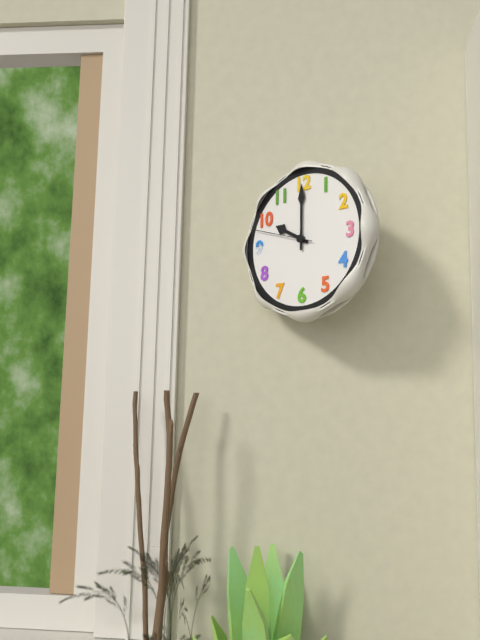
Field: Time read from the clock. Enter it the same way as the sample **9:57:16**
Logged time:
**10:00:48**
